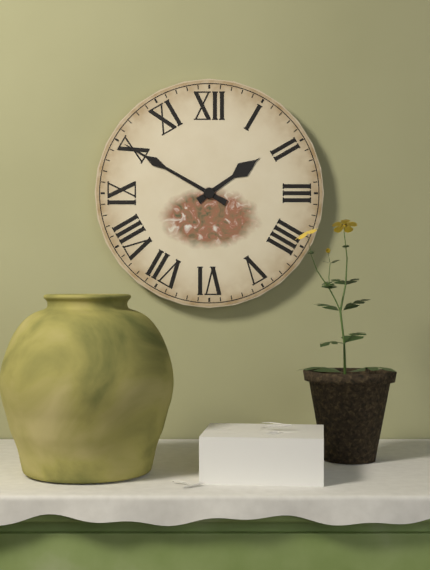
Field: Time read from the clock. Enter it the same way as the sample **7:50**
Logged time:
**1:50**
